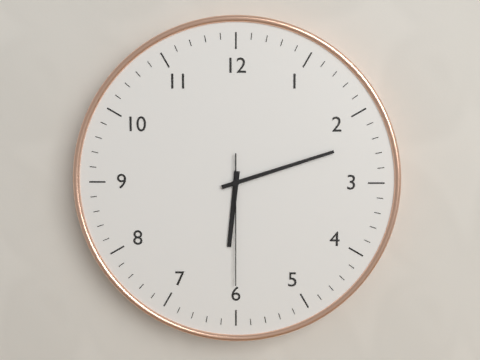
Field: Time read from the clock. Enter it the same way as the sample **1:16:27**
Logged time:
**6:12:30**
